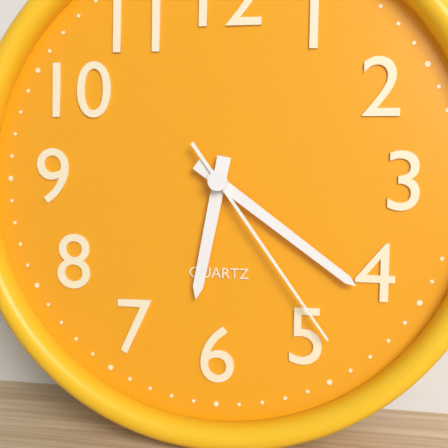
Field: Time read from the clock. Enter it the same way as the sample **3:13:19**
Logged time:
**6:21:24**
